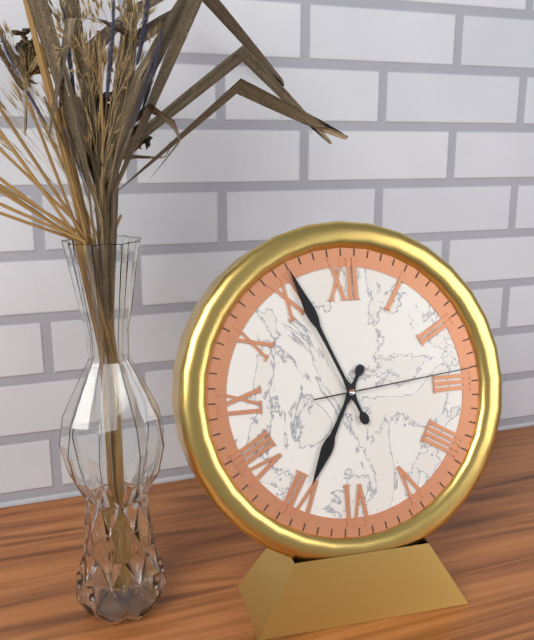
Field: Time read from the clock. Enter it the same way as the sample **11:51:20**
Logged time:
**6:56:14**
